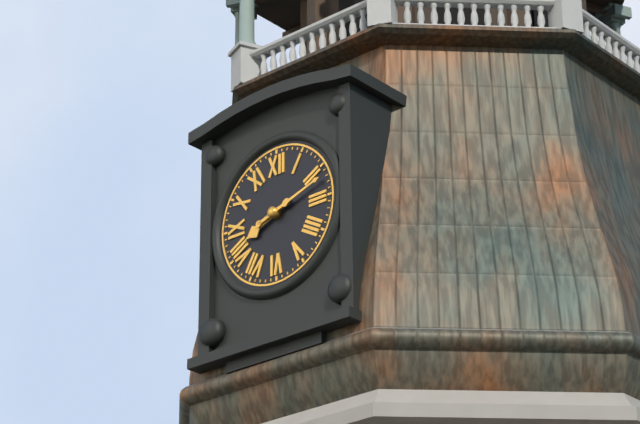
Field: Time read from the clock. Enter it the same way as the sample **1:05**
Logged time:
**8:12**
